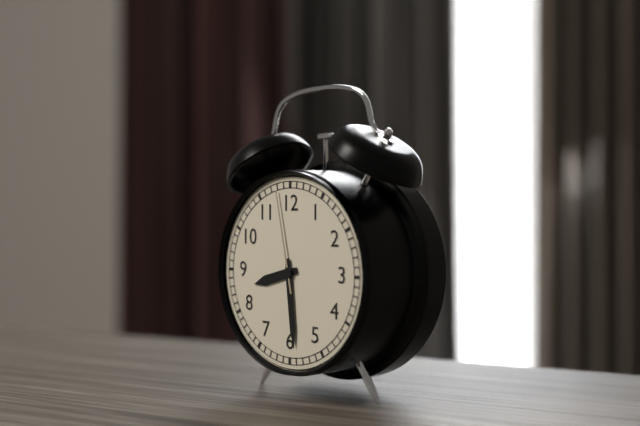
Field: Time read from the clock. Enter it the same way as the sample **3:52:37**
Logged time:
**8:29:58**
